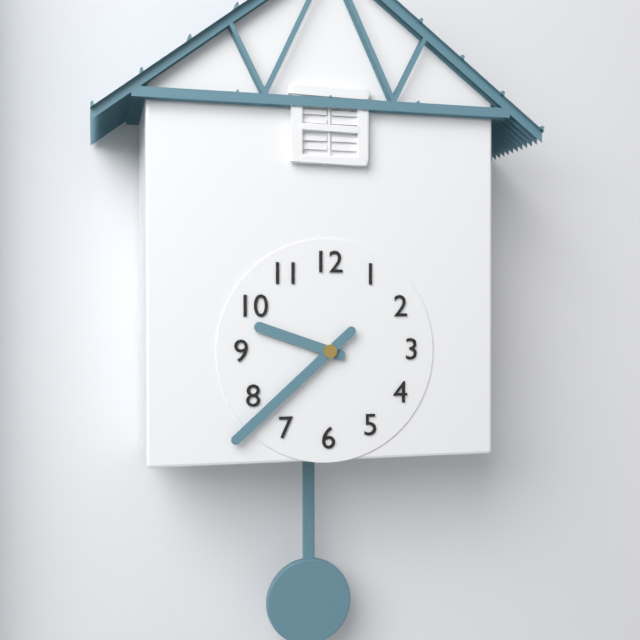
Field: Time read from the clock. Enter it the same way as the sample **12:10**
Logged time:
**9:38**
